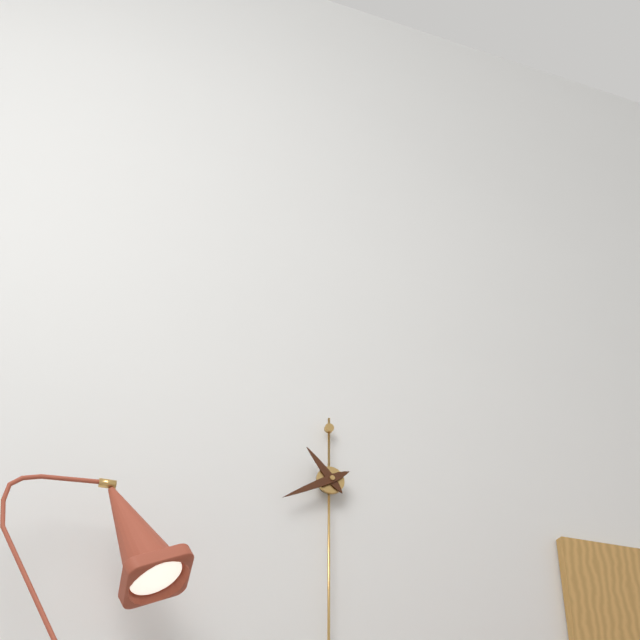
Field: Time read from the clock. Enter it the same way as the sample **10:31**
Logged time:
**10:40**
